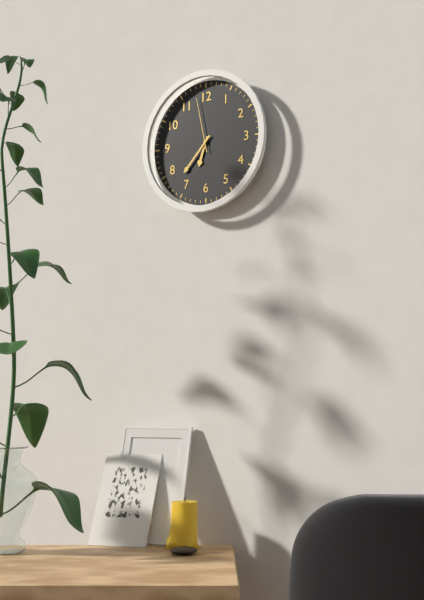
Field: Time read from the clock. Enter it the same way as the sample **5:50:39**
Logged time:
**6:37:58**
